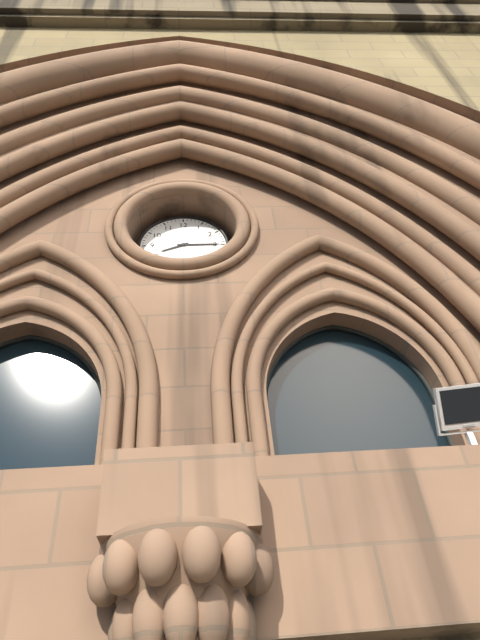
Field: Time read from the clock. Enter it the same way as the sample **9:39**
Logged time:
**8:15**
